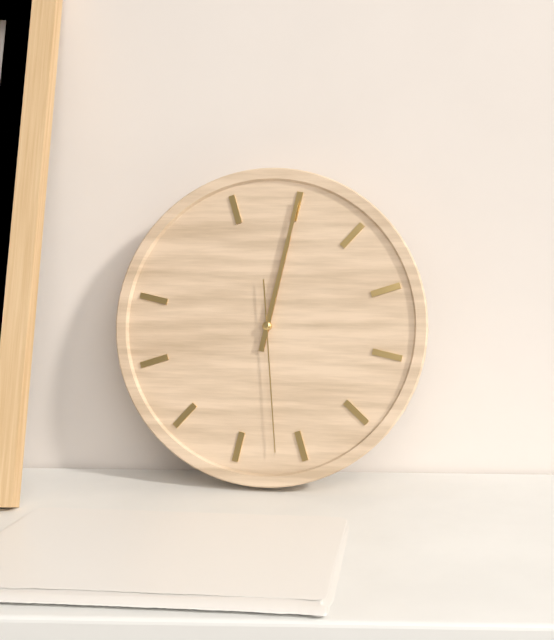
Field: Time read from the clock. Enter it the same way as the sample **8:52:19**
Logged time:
**12:00:27**
